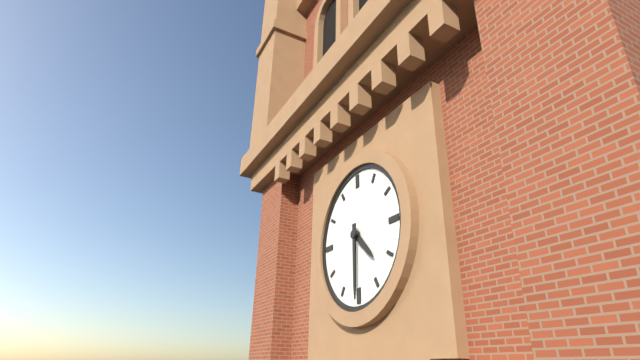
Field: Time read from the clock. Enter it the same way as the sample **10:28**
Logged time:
**4:30**
